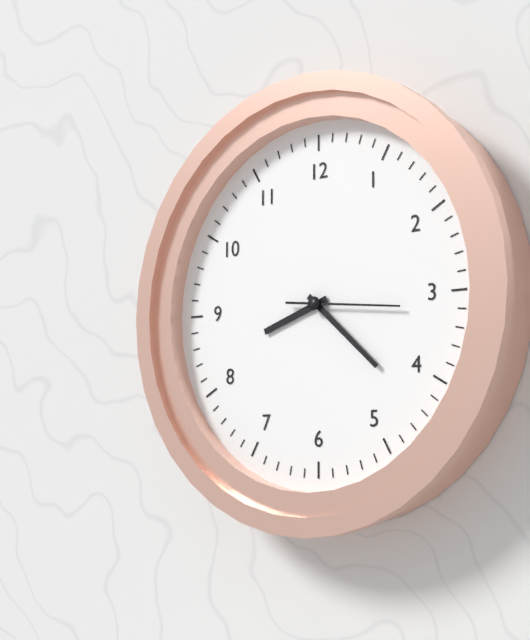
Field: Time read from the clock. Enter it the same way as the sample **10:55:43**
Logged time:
**8:22:16**
